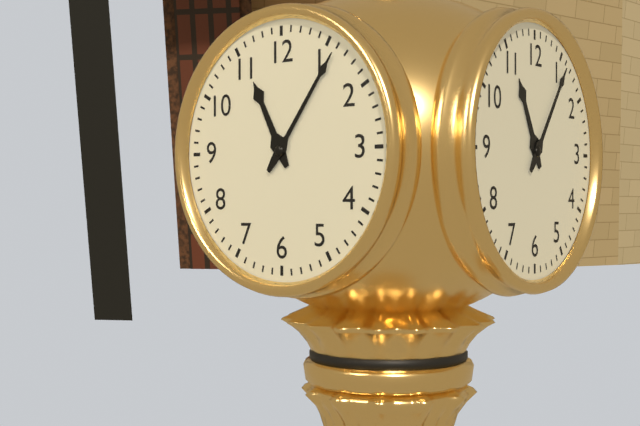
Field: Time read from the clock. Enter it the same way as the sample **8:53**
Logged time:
**11:06**
